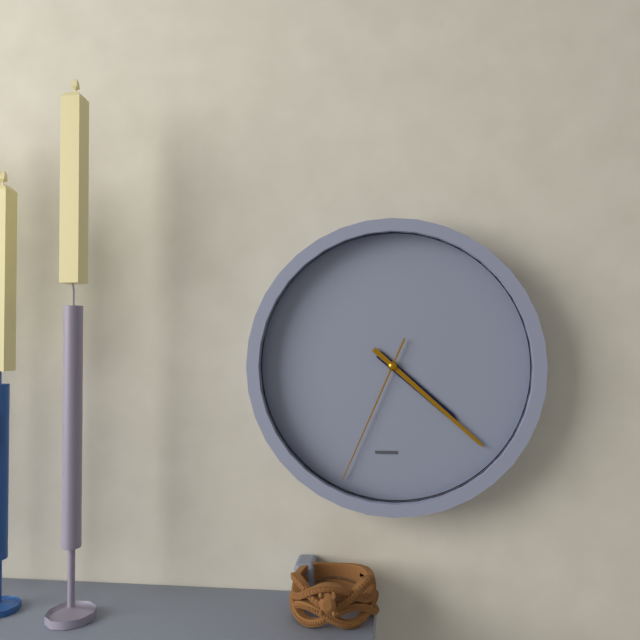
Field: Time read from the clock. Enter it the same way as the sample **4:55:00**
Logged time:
**4:22:34**
